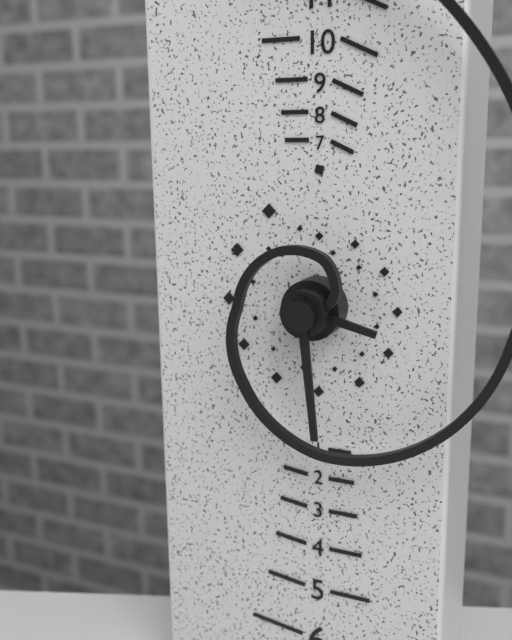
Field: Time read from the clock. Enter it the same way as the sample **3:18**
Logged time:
**3:29**
